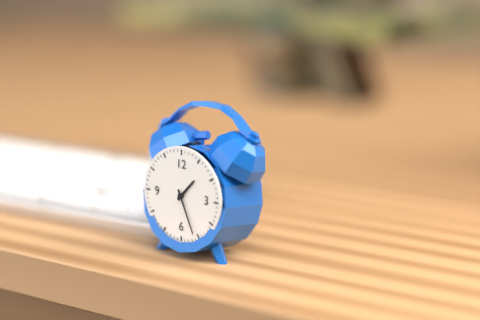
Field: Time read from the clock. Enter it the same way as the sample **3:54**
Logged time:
**1:26**
